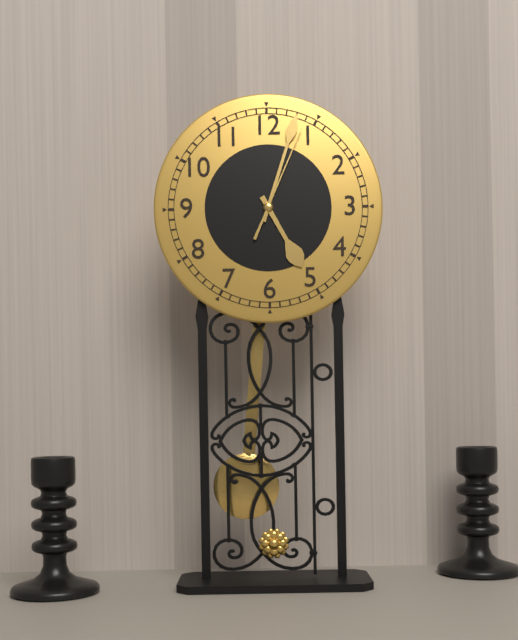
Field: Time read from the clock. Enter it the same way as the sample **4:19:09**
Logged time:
**5:03:04**
